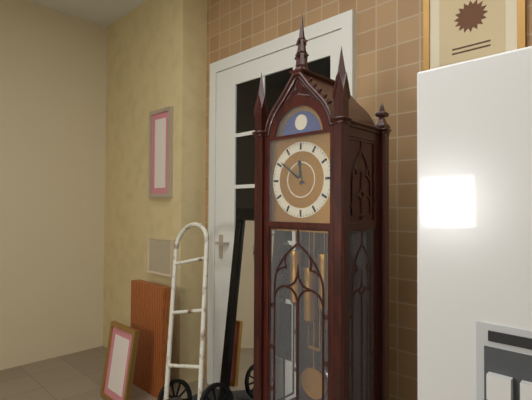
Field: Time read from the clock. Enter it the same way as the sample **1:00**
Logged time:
**11:51**
